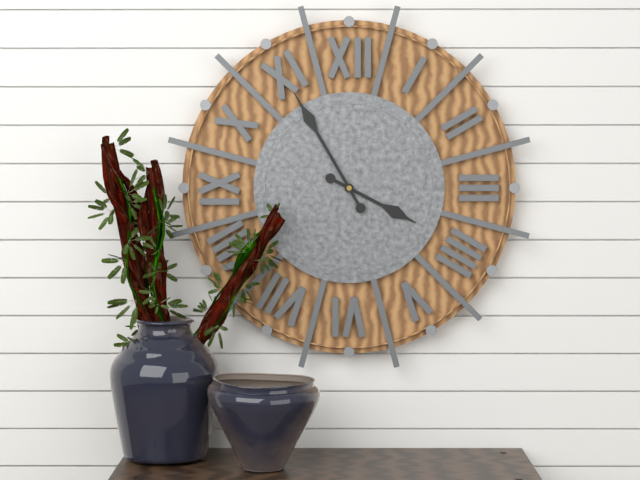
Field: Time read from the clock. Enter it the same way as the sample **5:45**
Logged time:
**3:55**
